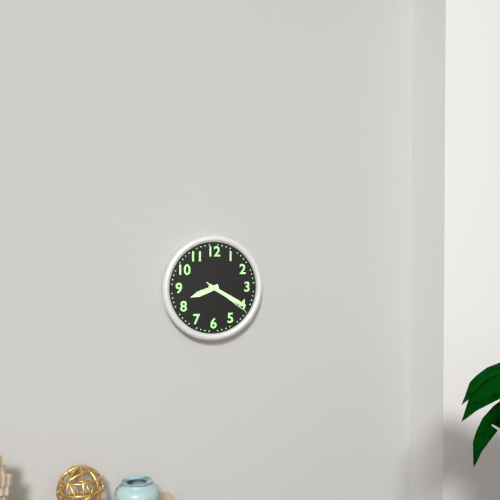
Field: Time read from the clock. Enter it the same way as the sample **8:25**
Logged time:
**8:20**
